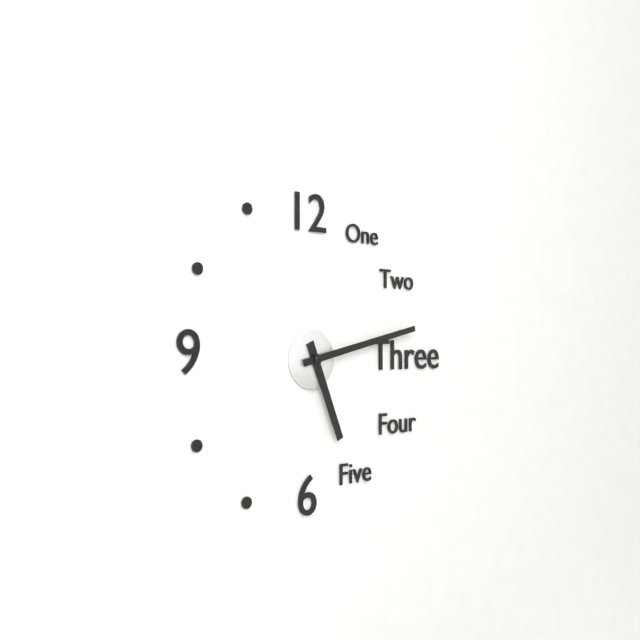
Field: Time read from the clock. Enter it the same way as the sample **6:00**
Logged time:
**5:13**
